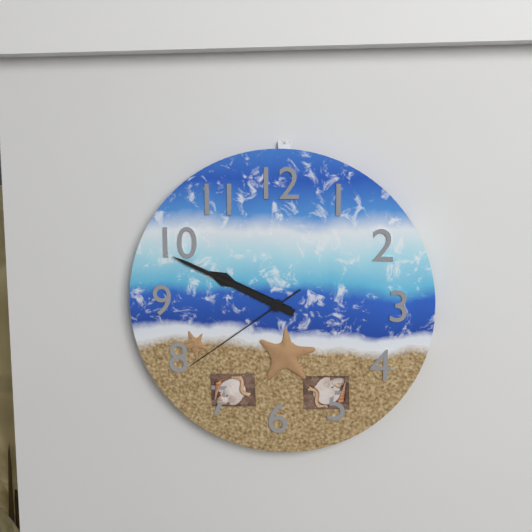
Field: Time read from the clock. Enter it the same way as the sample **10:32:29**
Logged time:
**9:49:39**
